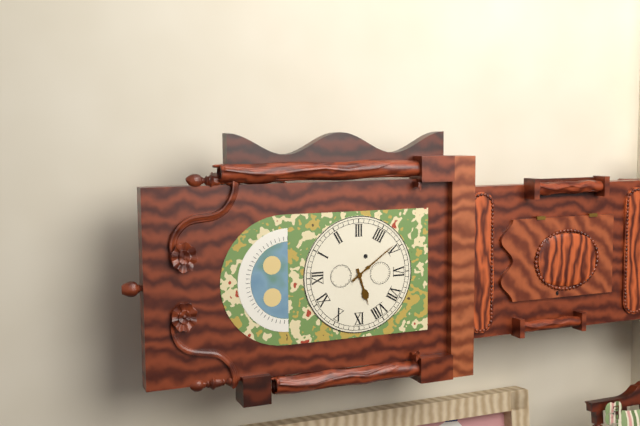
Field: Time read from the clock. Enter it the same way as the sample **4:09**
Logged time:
**8:24**
